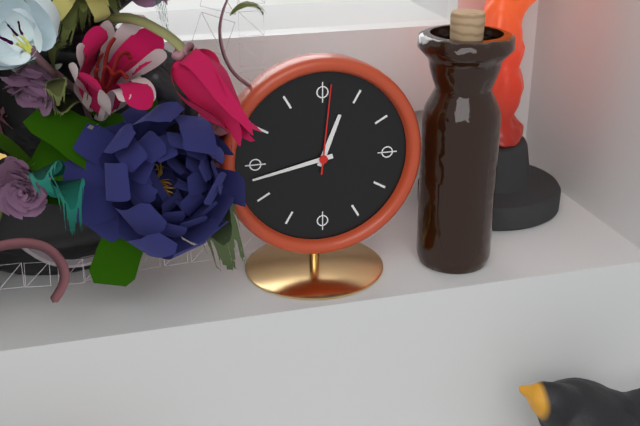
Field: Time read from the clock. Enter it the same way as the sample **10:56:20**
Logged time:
**12:43:01**
